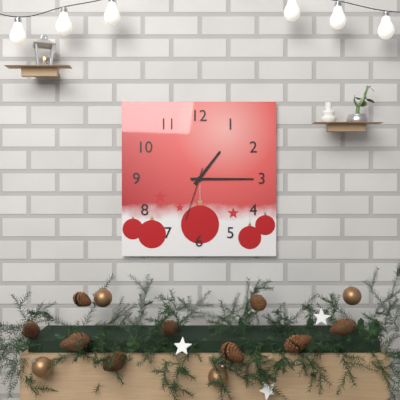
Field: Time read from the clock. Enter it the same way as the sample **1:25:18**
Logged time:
**1:15:33**
